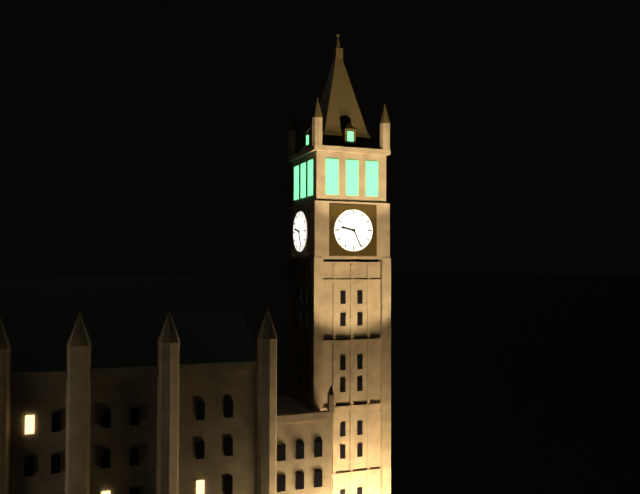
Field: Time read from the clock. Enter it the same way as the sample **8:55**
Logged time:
**9:26**
